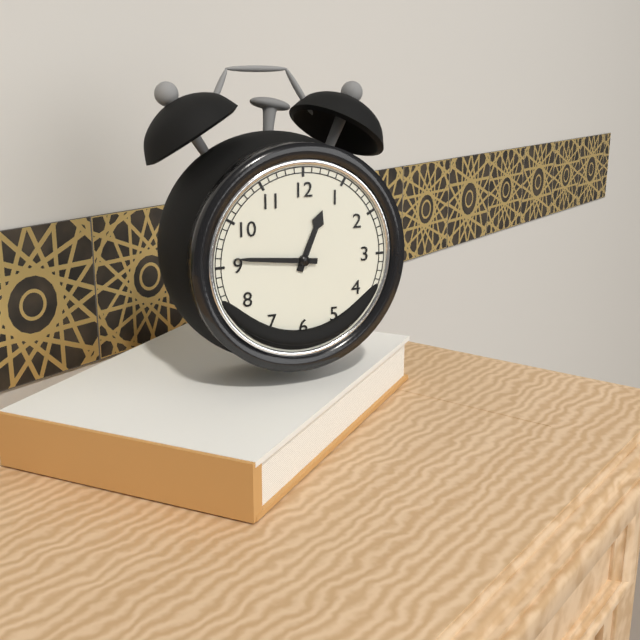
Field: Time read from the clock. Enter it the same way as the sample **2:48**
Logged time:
**12:46**
